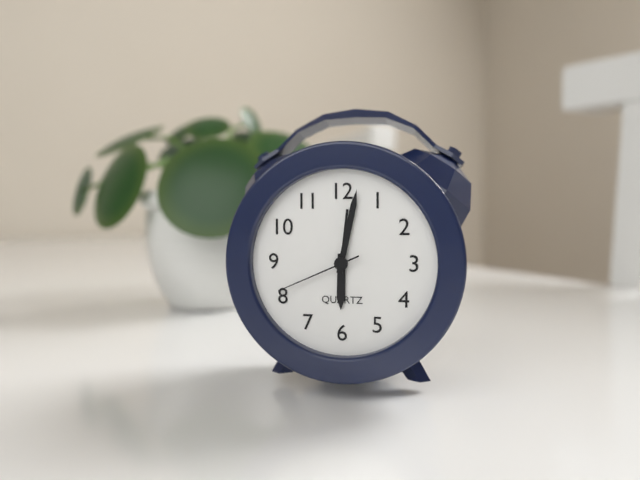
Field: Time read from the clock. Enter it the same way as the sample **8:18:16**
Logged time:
**6:02:41**
